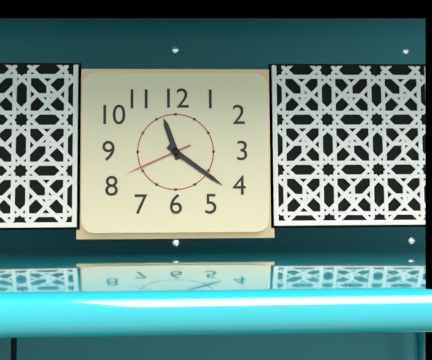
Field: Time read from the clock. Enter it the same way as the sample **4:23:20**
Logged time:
**11:21:41**
